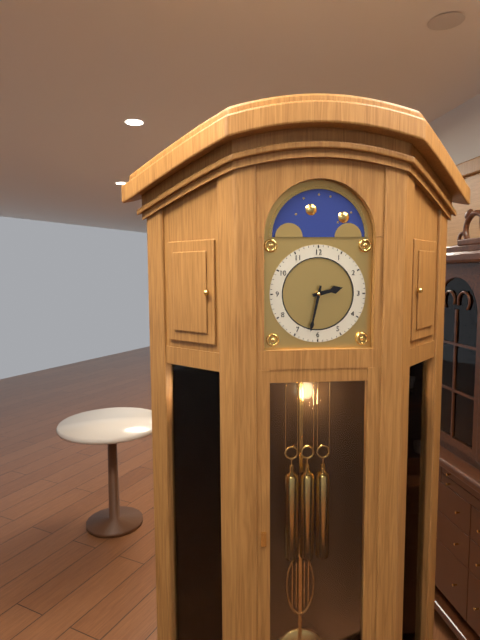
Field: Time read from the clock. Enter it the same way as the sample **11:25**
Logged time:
**2:32**
